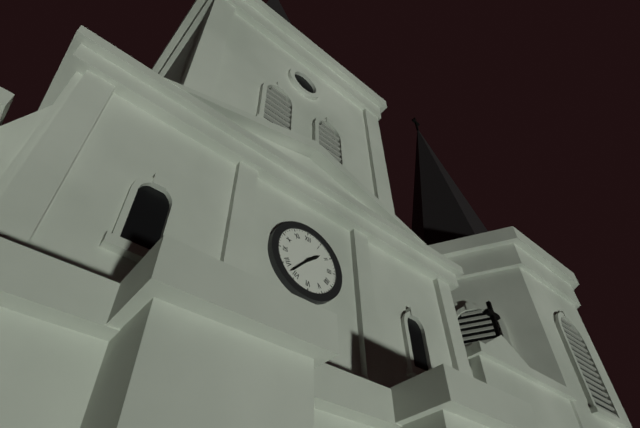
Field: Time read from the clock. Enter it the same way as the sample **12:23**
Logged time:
**1:37**
